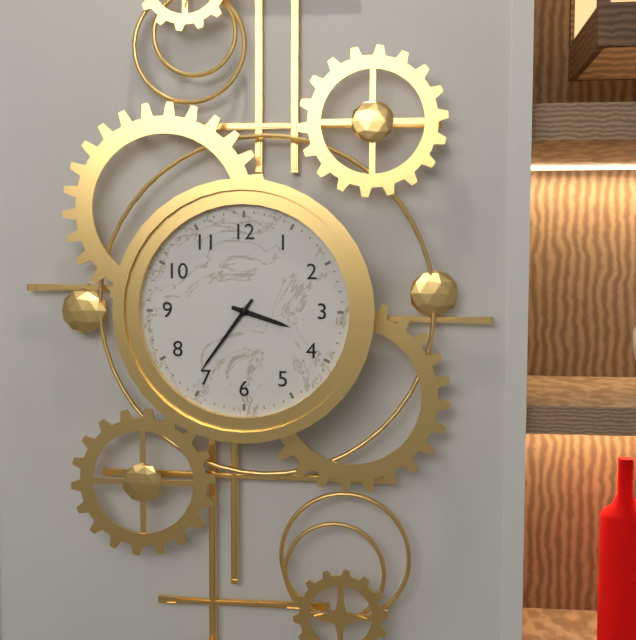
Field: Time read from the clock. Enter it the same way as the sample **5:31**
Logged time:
**3:36**
